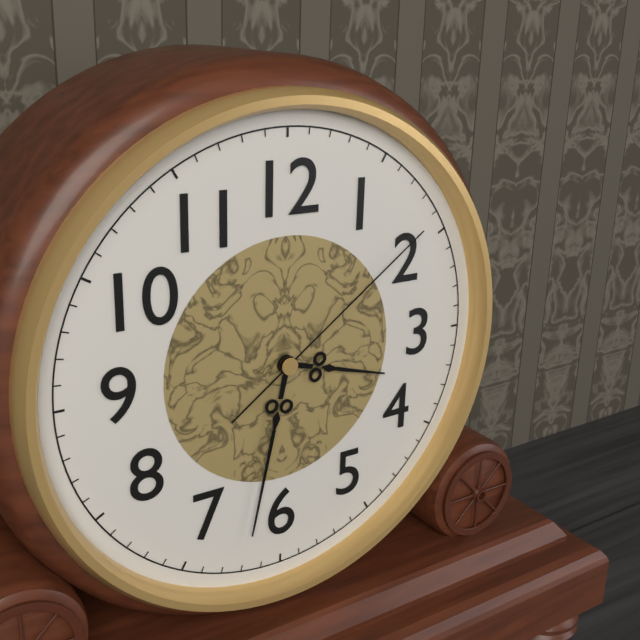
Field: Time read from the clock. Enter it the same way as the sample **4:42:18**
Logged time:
**3:32:09**
